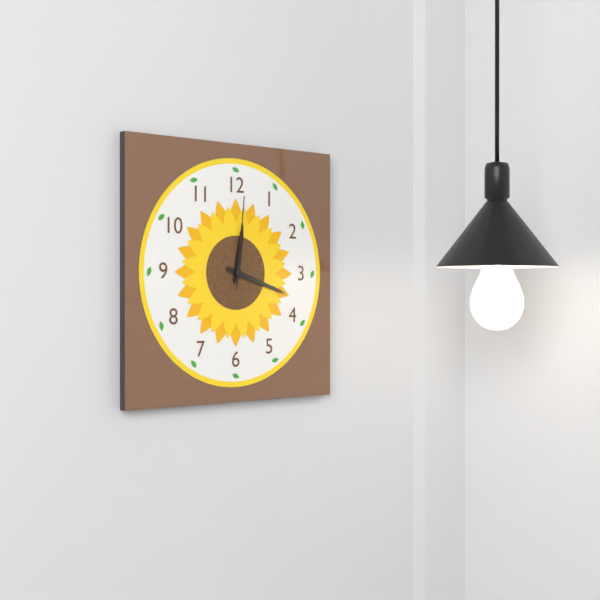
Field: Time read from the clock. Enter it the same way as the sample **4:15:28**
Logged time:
**12:18:01**
